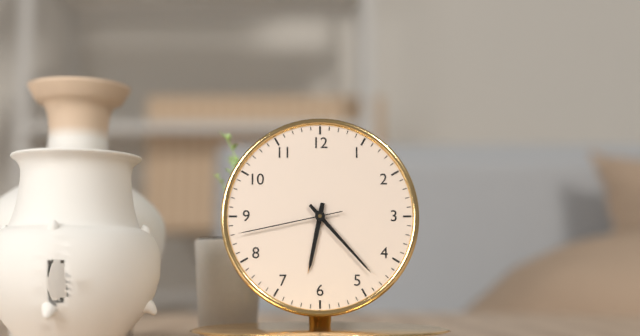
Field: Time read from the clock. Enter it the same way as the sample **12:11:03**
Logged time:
**6:23:43**
